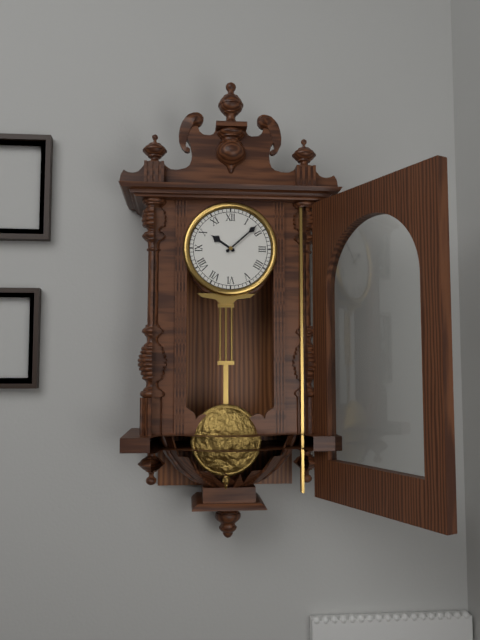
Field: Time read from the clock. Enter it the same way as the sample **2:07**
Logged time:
**10:08**
